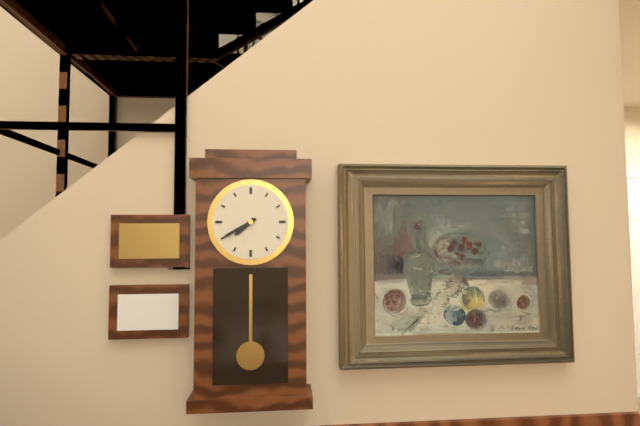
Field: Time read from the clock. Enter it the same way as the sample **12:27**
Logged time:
**7:40**
